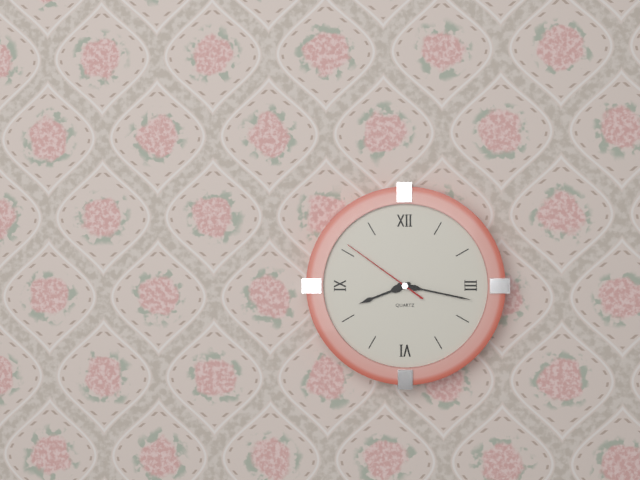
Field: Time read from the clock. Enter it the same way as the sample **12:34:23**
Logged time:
**8:17:51**
